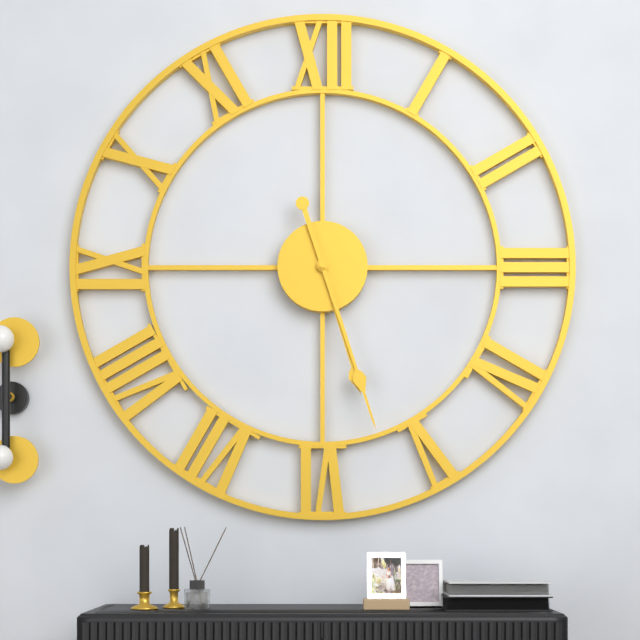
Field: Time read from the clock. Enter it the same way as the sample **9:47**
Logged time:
**5:27**
